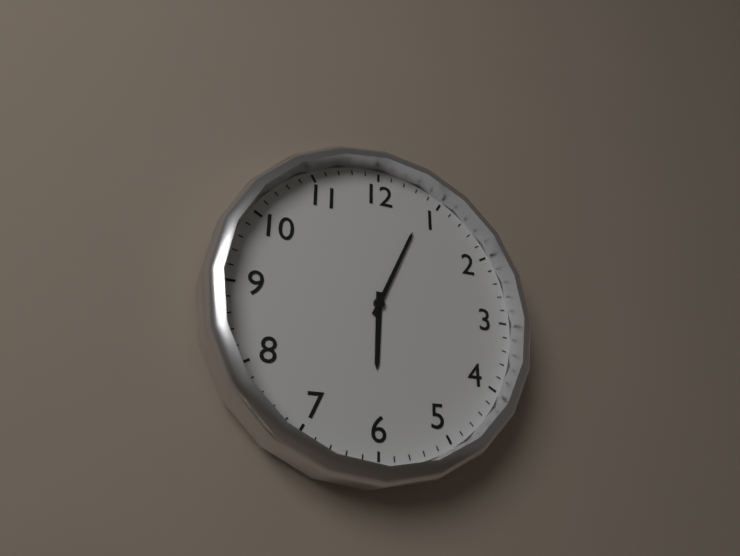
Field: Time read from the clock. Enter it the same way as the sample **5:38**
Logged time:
**6:04**
